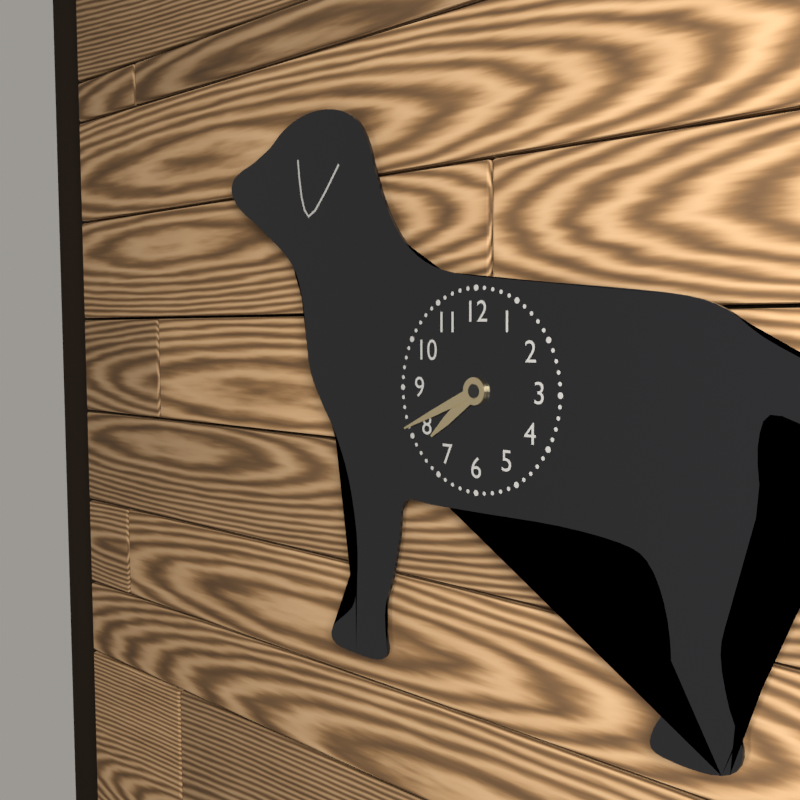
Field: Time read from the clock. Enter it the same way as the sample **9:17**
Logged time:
**7:41**
